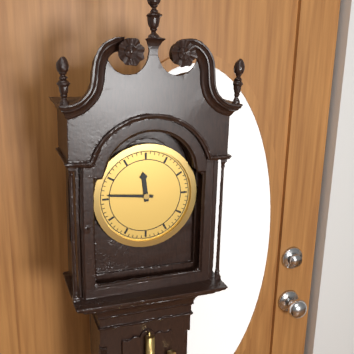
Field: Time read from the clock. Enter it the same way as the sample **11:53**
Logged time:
**11:46**
